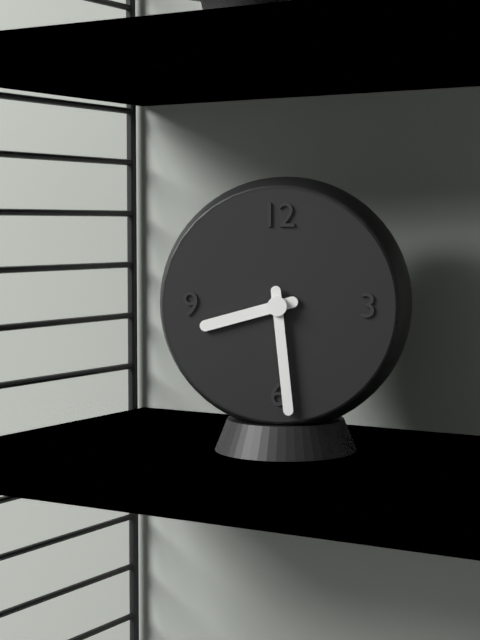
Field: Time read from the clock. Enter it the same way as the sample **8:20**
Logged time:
**8:29**
